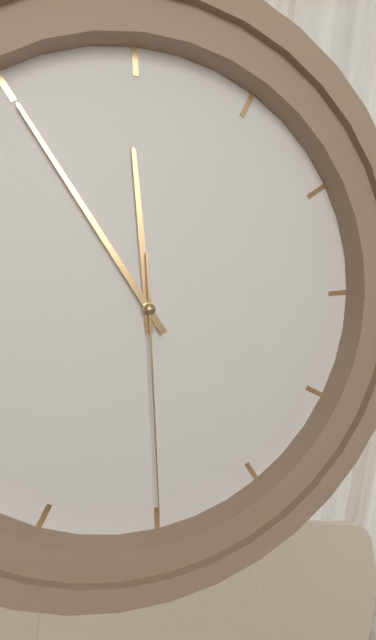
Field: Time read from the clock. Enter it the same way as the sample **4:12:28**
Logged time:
**11:55:30**
